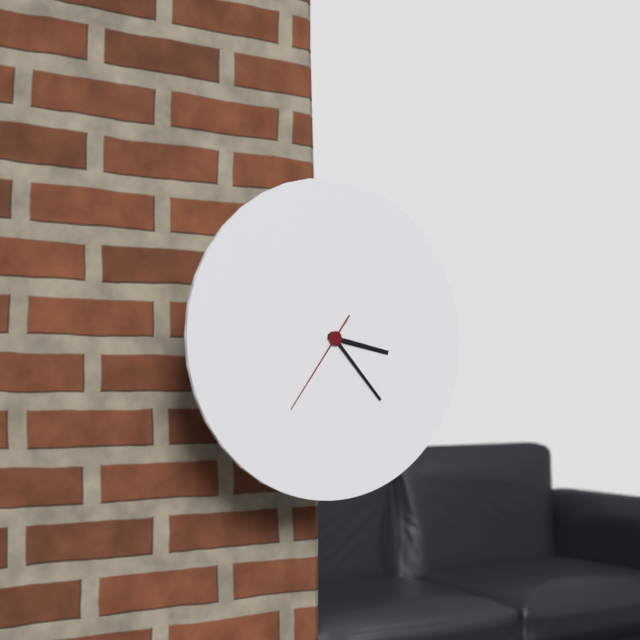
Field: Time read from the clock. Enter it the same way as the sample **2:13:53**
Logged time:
**3:23:36**
